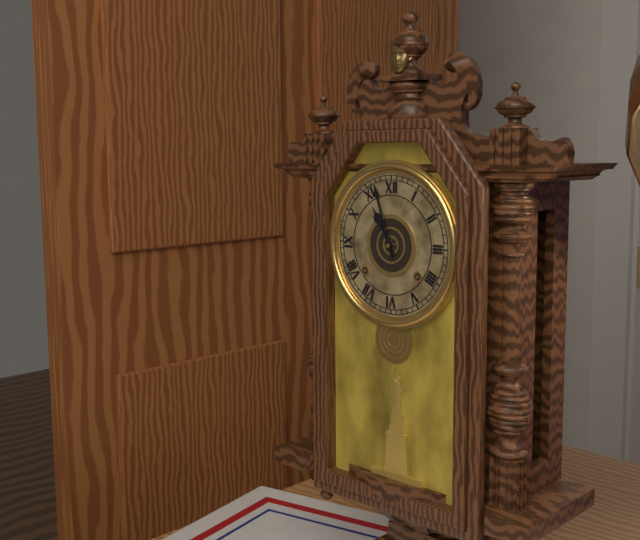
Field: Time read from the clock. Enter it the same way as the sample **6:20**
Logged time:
**10:57**
